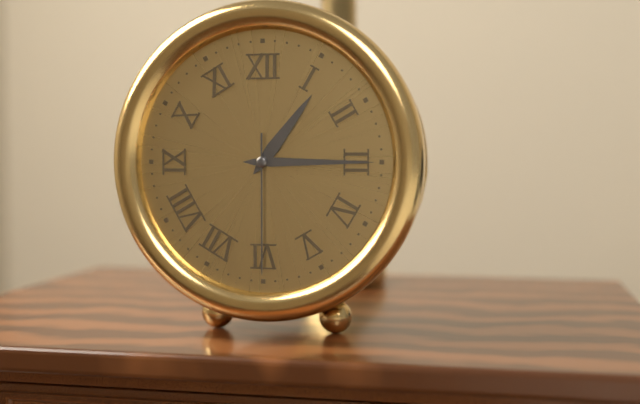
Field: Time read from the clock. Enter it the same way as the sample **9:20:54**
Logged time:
**1:15:30**
